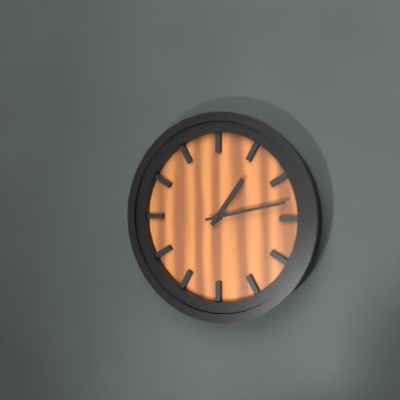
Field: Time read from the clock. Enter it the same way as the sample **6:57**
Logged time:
**1:13**
